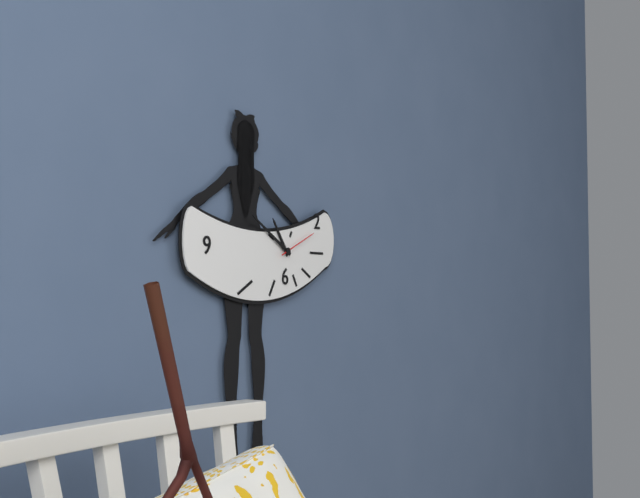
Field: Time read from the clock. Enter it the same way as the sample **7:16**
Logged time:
**10:50**
